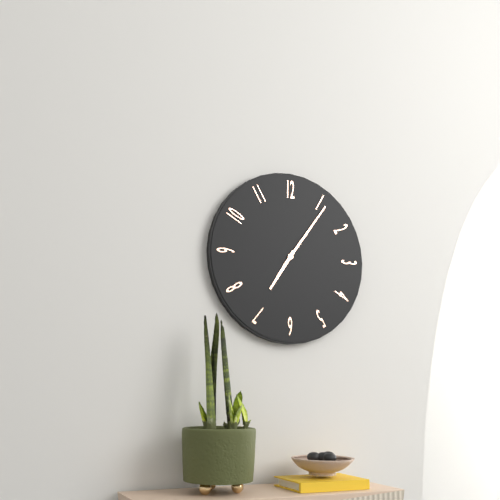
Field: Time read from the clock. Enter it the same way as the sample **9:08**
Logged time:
**7:06**
